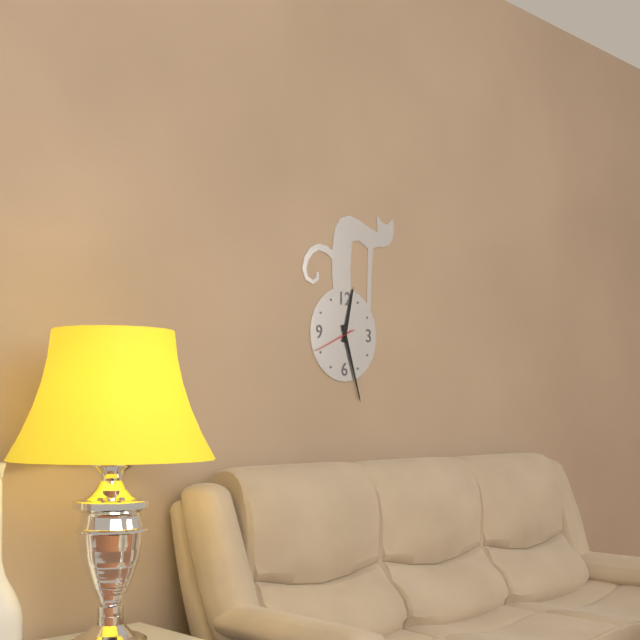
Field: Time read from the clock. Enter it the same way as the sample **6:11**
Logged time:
**12:27**
